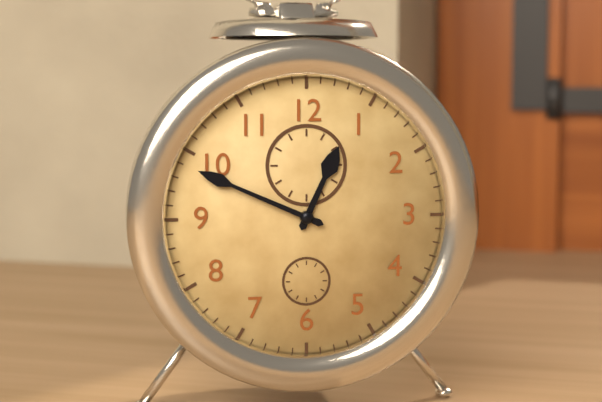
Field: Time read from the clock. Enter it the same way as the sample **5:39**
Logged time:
**12:49**
